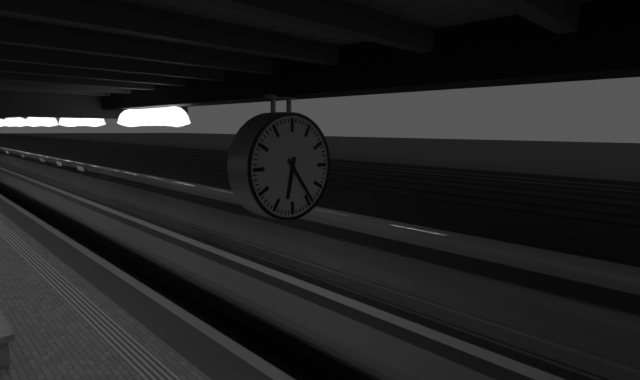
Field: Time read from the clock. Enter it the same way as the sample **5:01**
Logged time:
**6:24**
